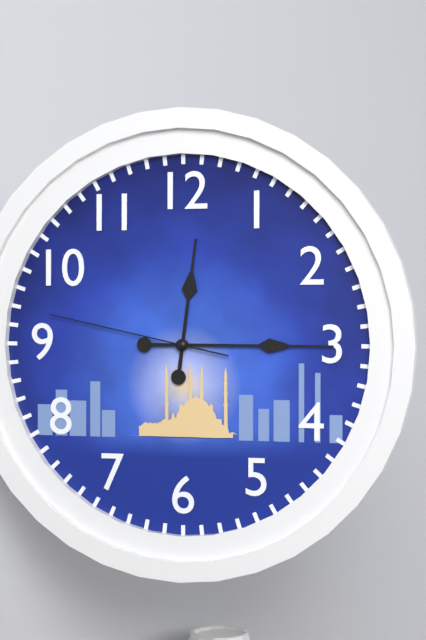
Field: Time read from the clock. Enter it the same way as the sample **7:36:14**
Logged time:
**12:15:47**
